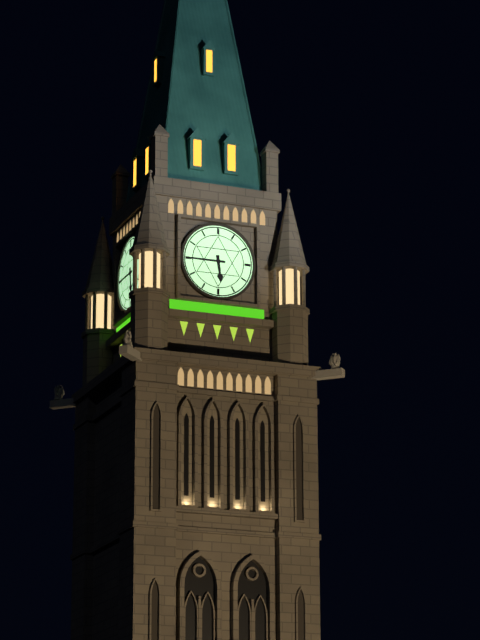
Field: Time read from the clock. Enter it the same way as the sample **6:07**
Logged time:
**5:45**
